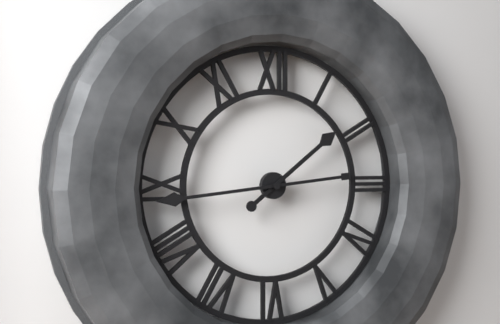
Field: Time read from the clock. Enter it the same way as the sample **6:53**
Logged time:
**1:44**
